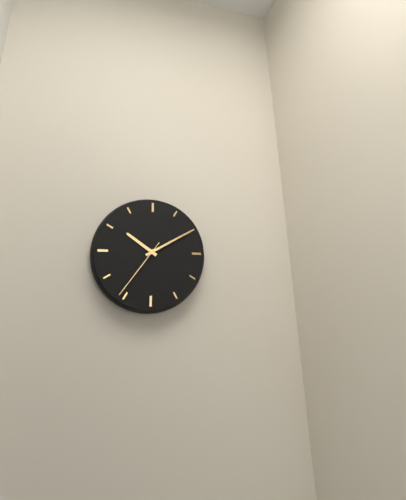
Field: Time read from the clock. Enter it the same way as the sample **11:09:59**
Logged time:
**10:10:36**
